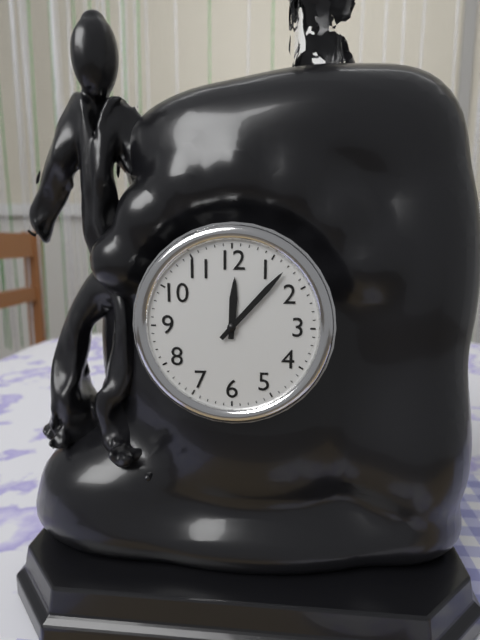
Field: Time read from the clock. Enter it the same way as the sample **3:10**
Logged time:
**12:07**
